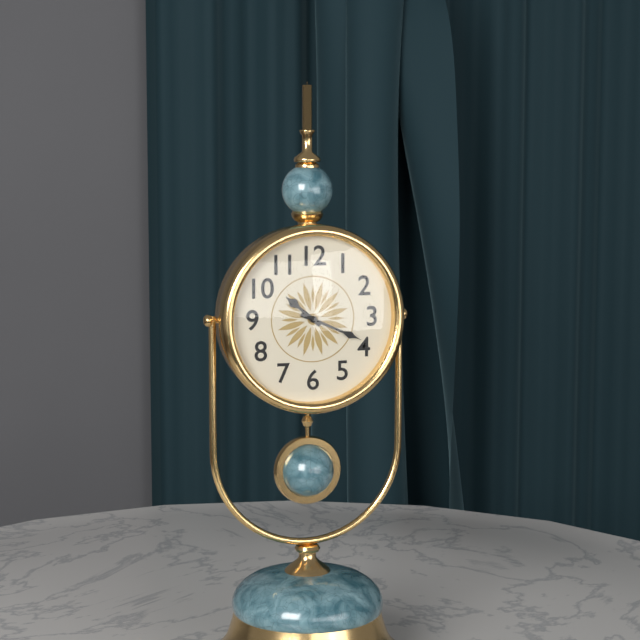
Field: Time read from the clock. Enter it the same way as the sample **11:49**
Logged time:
**10:19**
